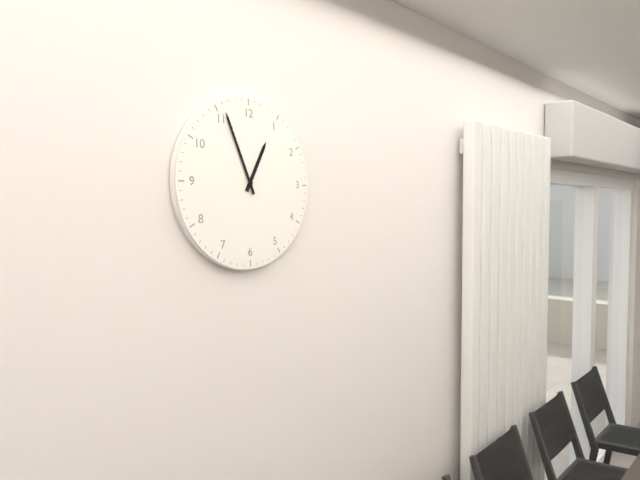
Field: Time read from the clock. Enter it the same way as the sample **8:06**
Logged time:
**12:56**
